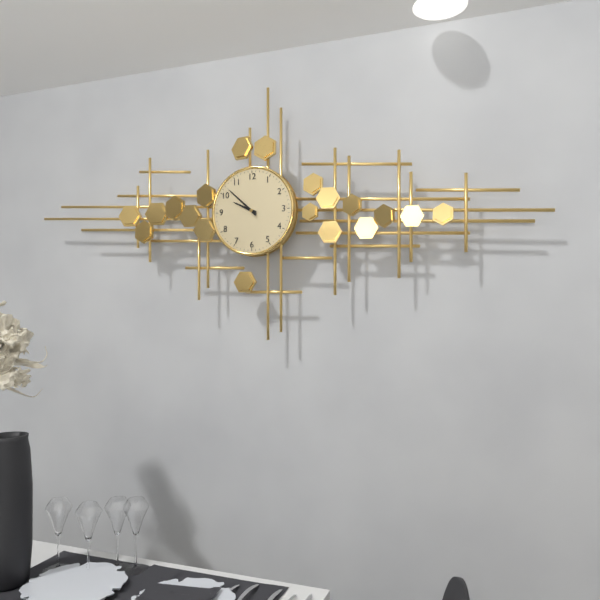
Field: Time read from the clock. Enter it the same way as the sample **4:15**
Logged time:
**9:52**
